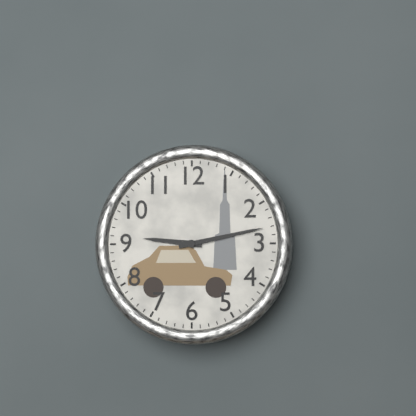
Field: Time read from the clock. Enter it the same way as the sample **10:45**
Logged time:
**9:13**
